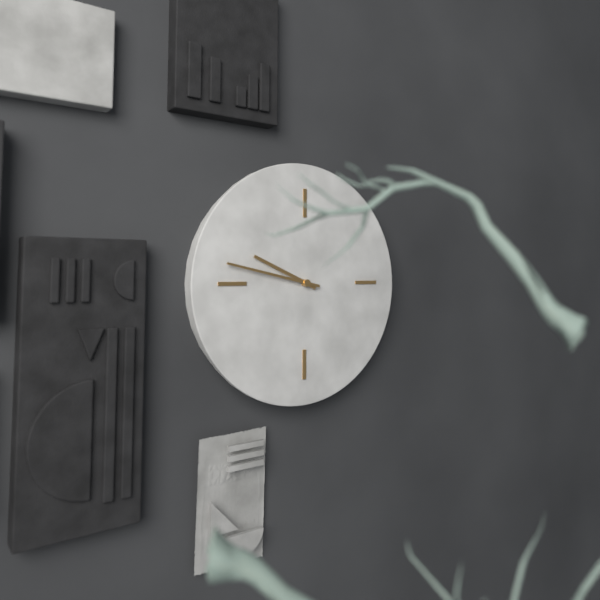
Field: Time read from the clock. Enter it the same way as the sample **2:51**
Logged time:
**9:47**
